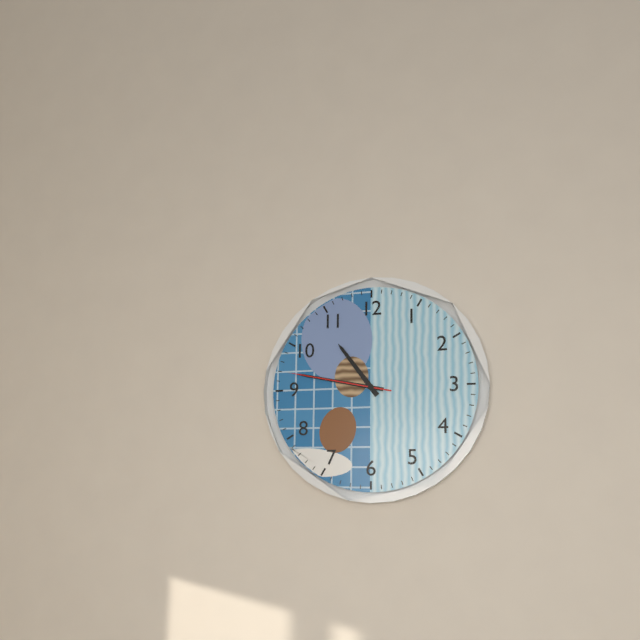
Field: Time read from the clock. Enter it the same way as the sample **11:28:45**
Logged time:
**10:47:47**
